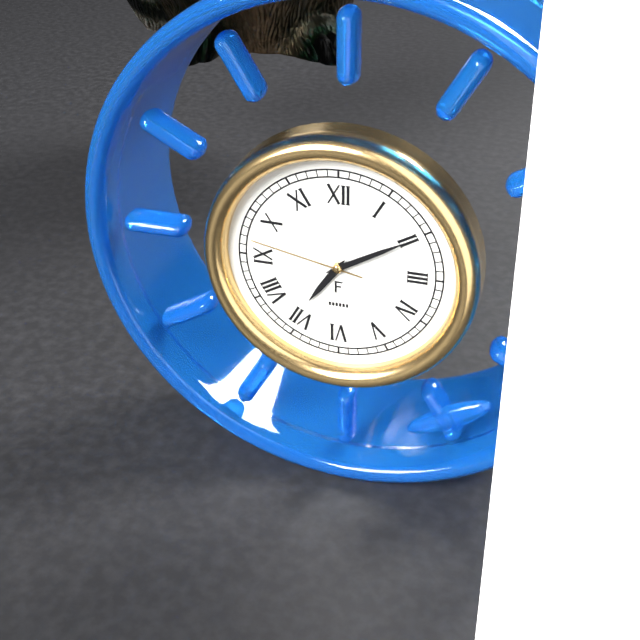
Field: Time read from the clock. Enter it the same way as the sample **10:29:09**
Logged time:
**7:10:47**
